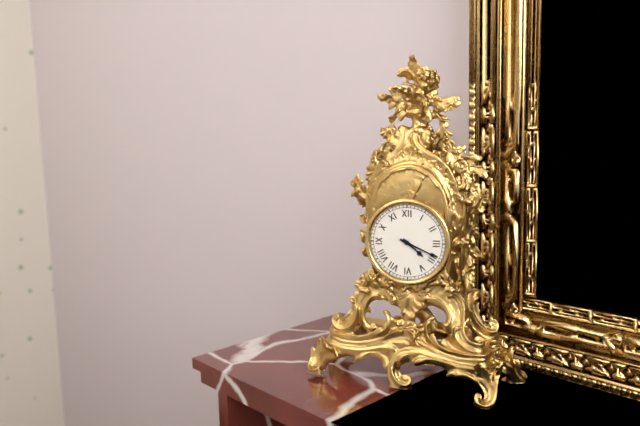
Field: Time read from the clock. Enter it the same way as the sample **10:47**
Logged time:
**4:19**
